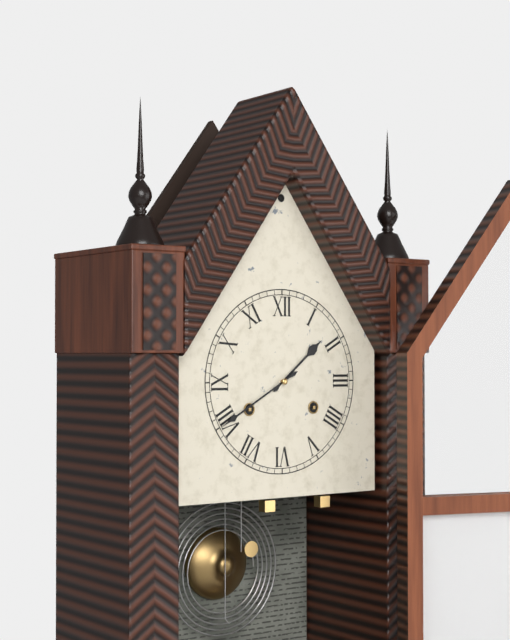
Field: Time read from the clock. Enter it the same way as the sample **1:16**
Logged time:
**1:40**
